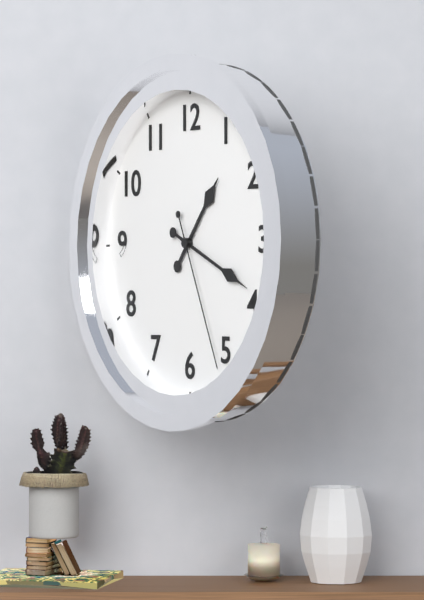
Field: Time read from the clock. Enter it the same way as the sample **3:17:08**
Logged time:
**1:19:26**
